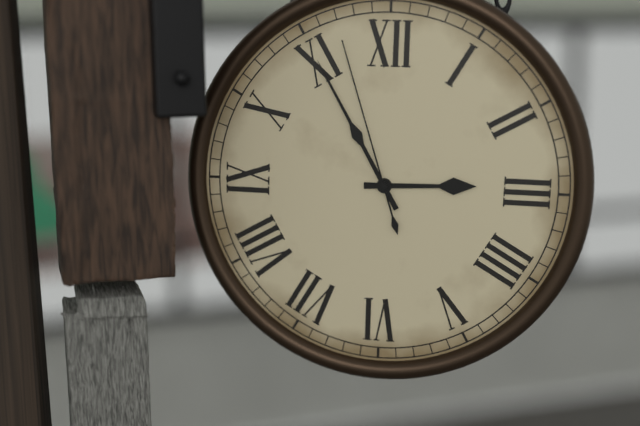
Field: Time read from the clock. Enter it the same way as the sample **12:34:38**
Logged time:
**2:55:57**
